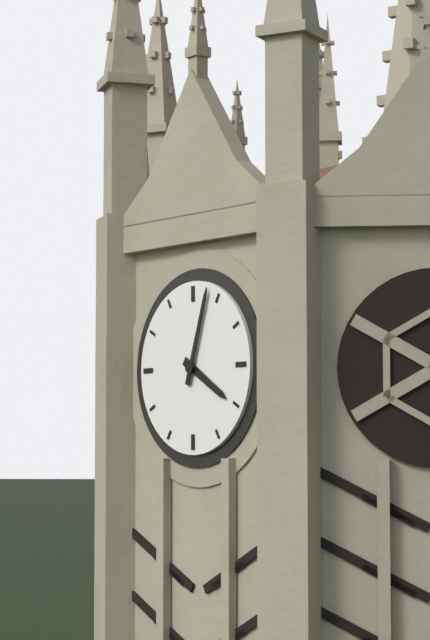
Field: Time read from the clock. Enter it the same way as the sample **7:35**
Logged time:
**4:03**
